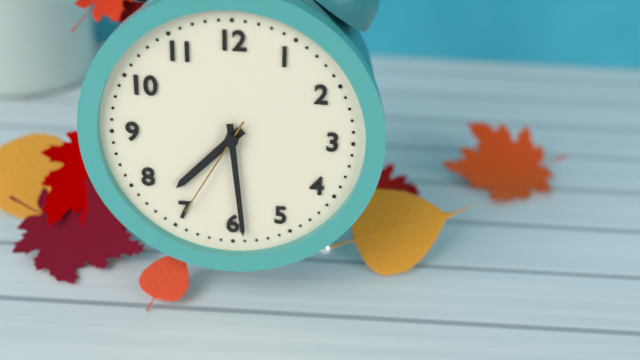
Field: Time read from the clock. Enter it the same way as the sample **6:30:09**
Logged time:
**7:29:35**
